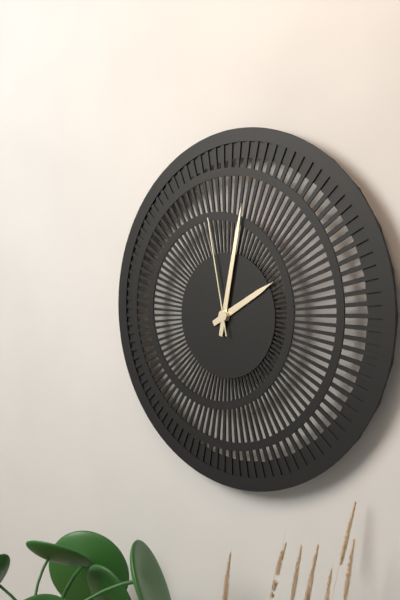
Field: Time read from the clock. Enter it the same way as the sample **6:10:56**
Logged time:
**2:02:58**
